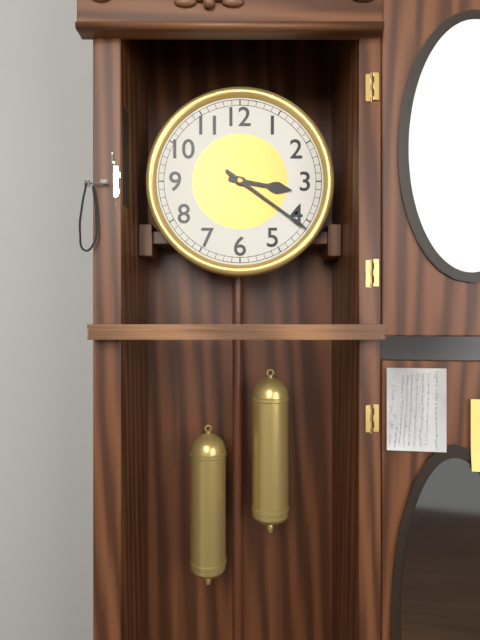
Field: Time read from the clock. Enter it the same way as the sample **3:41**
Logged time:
**3:21**
